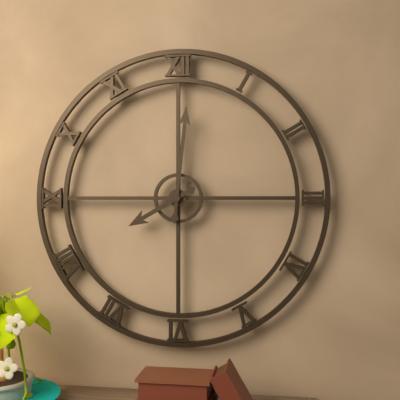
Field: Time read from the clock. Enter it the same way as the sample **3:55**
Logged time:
**8:01**
